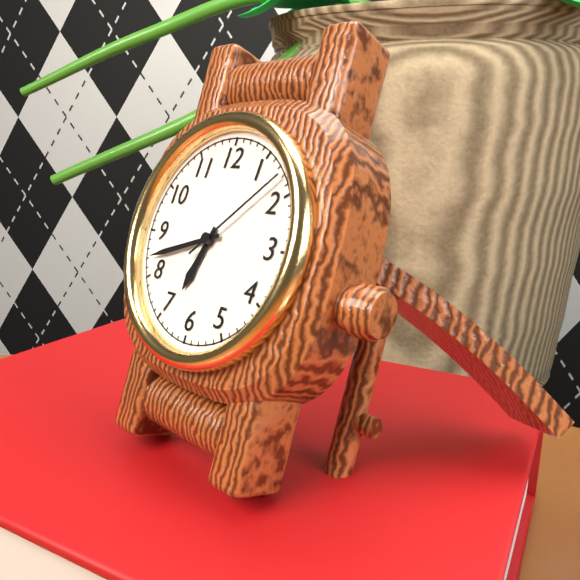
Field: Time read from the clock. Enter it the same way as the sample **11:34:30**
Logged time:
**6:42:08**
